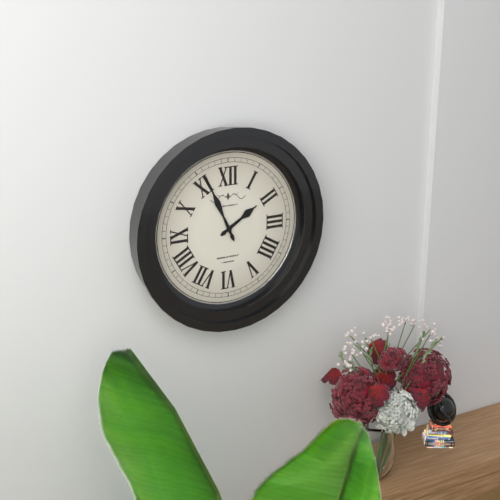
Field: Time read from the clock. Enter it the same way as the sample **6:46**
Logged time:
**1:56**
